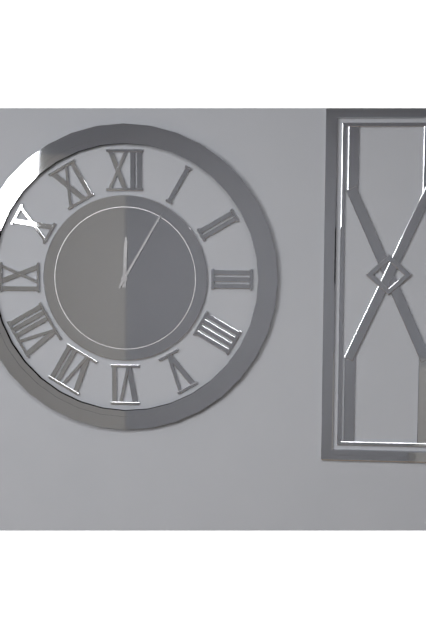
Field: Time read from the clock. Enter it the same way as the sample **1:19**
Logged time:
**12:05**
